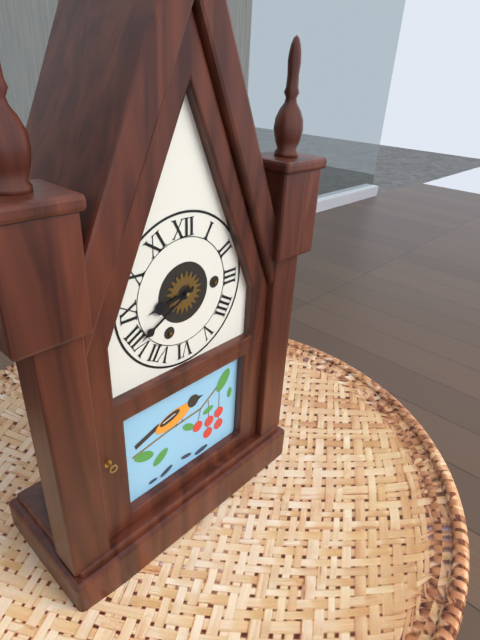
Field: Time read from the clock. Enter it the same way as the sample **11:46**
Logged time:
**8:40**
